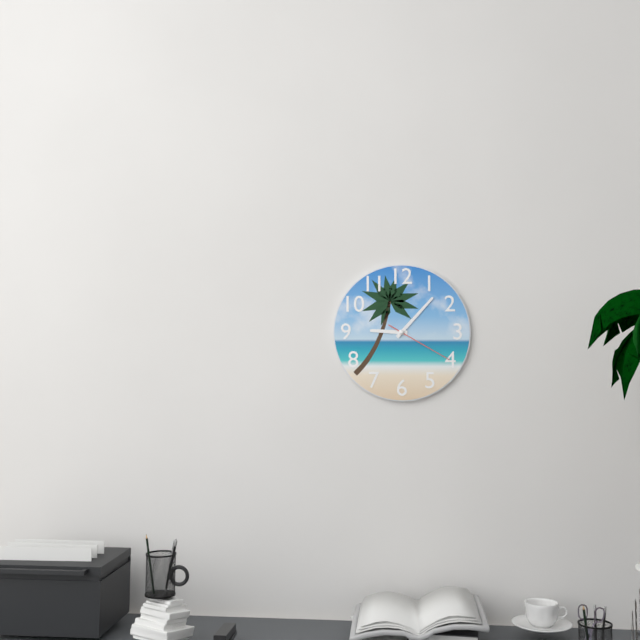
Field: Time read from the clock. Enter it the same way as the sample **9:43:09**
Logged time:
**9:07:20**
